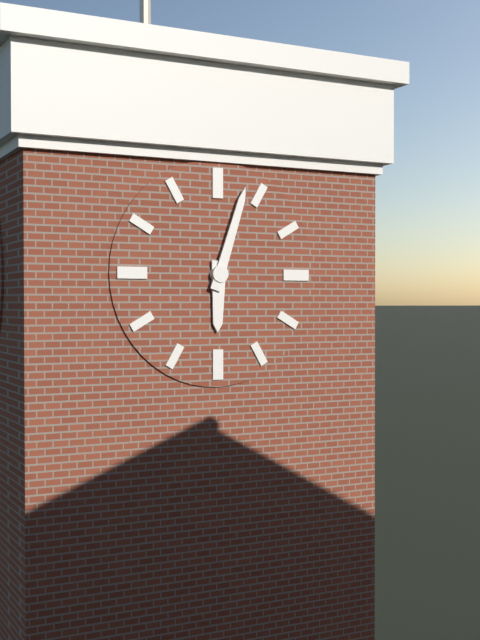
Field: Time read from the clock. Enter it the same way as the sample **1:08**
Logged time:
**6:03**
